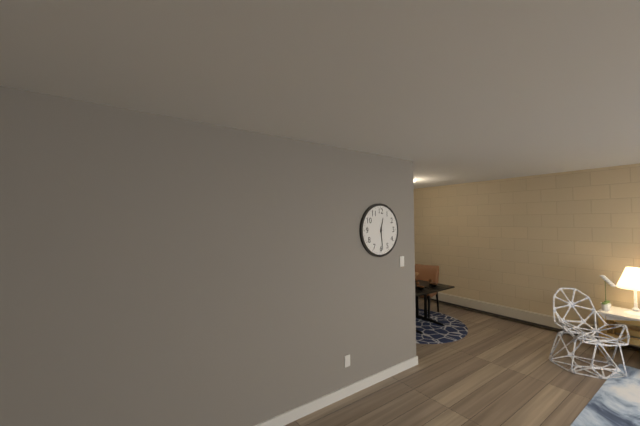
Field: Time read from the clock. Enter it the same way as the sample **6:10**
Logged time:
**12:29**
